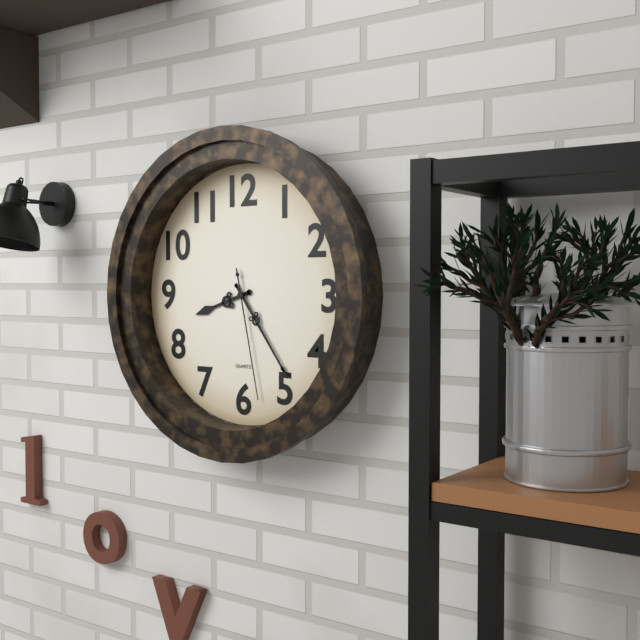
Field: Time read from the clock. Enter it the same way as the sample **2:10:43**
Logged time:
**8:24:28**
